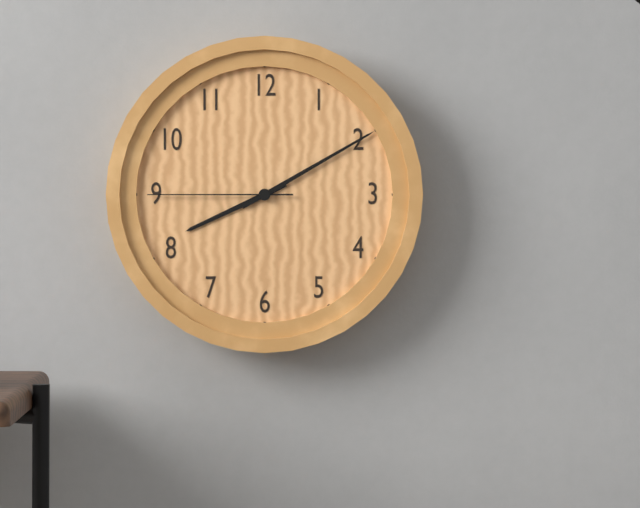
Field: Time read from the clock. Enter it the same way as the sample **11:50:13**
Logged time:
**8:10:45**
